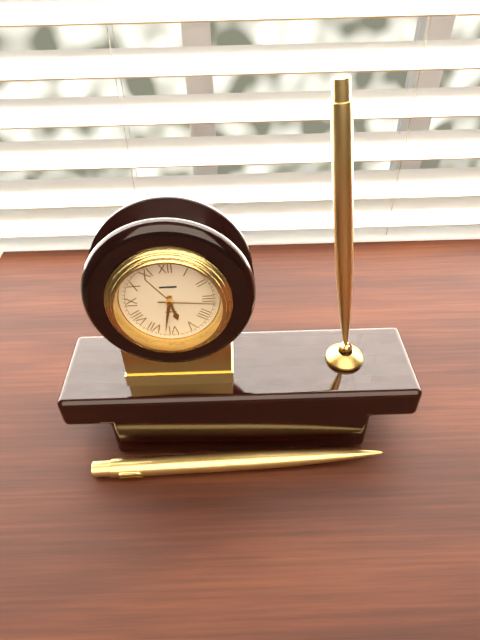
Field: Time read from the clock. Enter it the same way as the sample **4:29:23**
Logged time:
**5:32:16**
